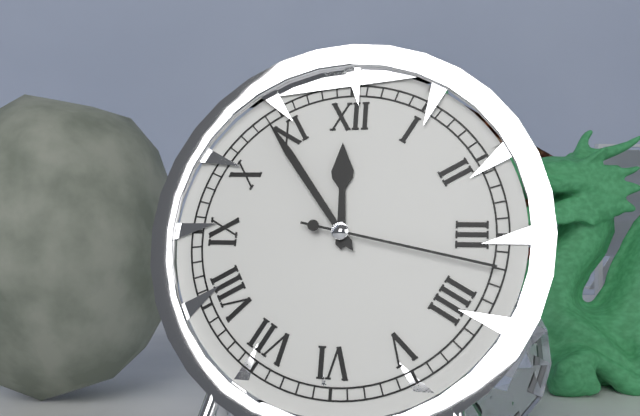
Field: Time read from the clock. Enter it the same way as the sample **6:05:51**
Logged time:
**11:54:17**
